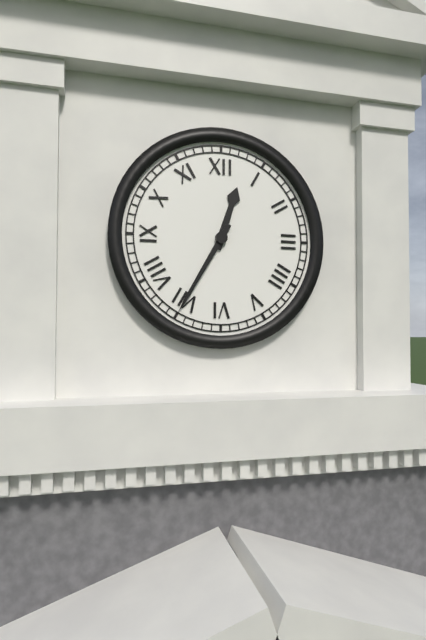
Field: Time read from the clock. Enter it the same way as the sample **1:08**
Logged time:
**12:35**
